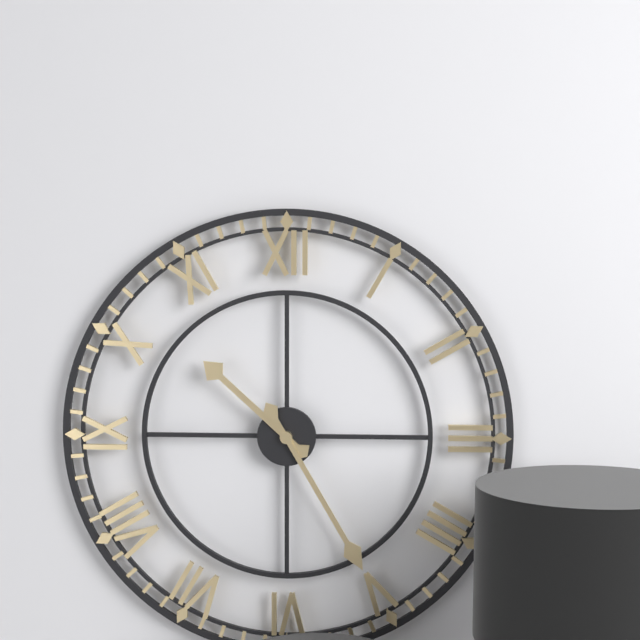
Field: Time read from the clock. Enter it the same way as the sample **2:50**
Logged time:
**10:25**
